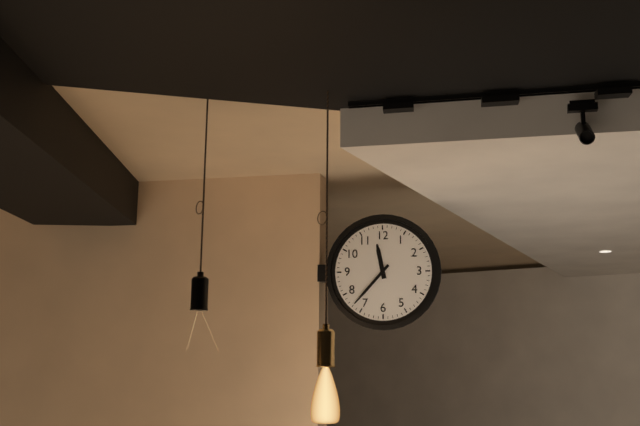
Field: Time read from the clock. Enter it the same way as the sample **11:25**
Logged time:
**11:37**
